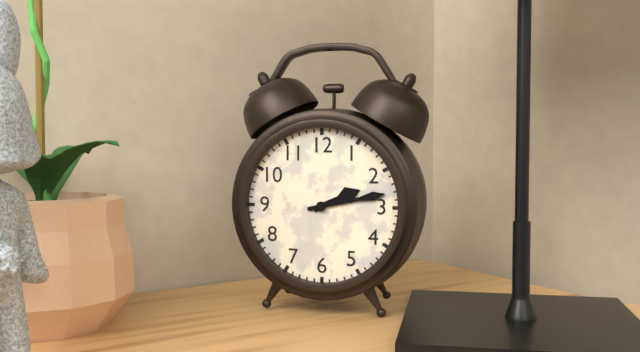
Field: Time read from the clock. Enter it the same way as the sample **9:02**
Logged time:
**2:13**
